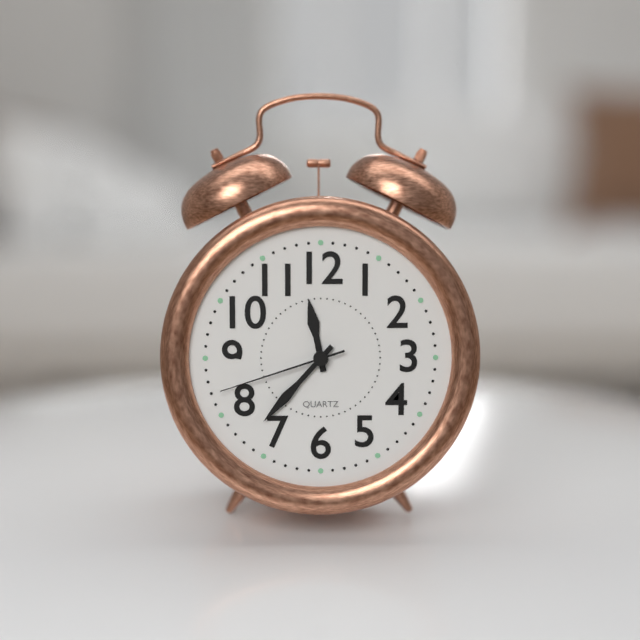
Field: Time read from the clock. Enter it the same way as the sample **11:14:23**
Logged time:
**11:37:42**
